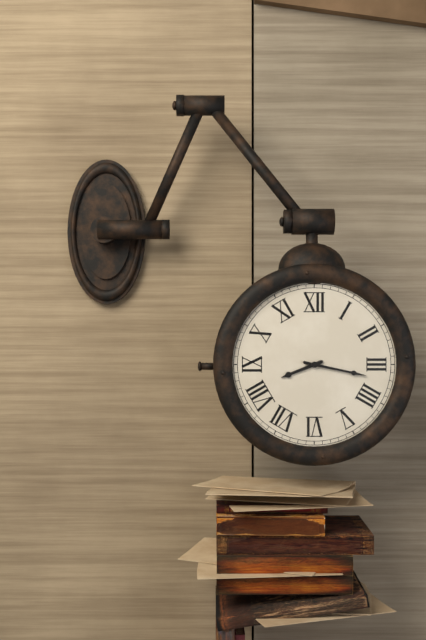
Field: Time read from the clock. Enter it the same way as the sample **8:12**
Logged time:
**8:17**
